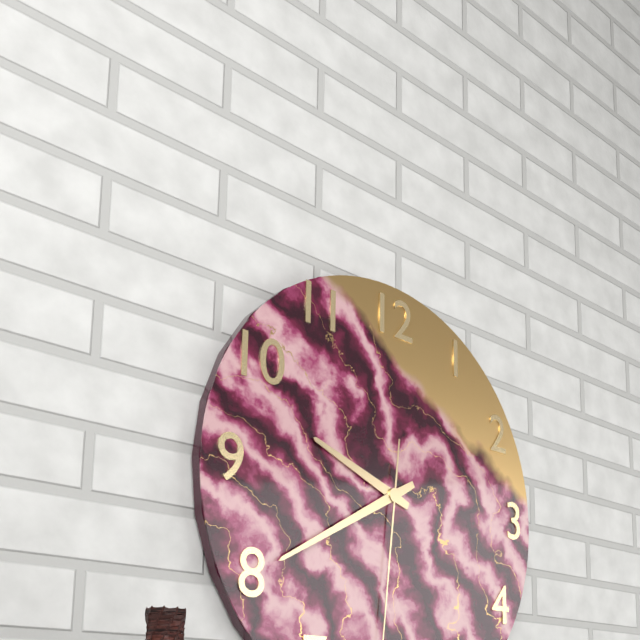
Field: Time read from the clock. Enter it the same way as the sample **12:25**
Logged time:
**9:40**
